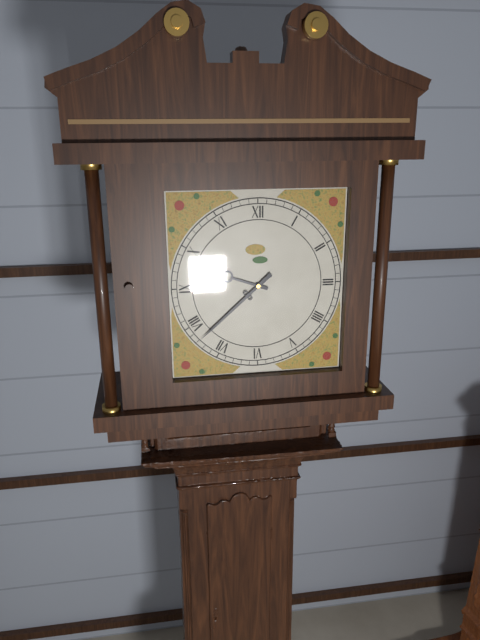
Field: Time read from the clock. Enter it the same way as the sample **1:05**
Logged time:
**9:38**
